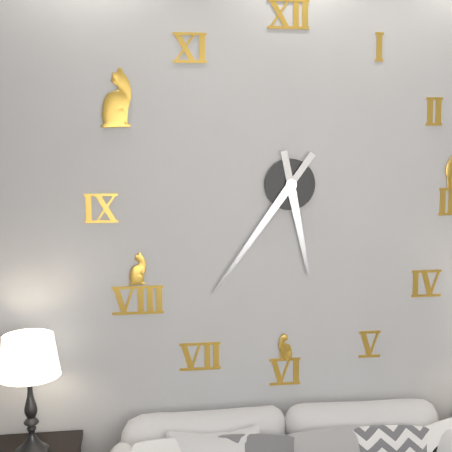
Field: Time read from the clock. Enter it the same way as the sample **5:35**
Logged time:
**5:36**
